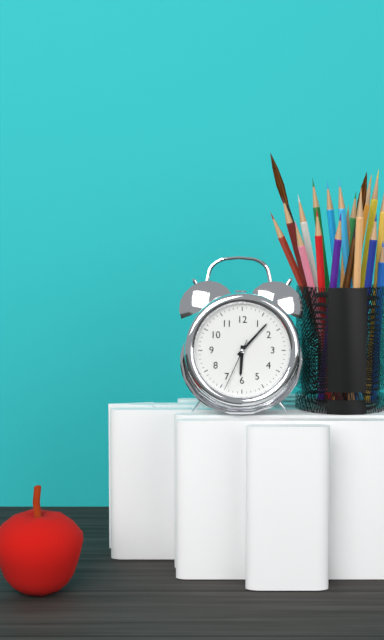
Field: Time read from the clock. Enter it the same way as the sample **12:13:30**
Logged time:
**6:07:34**
